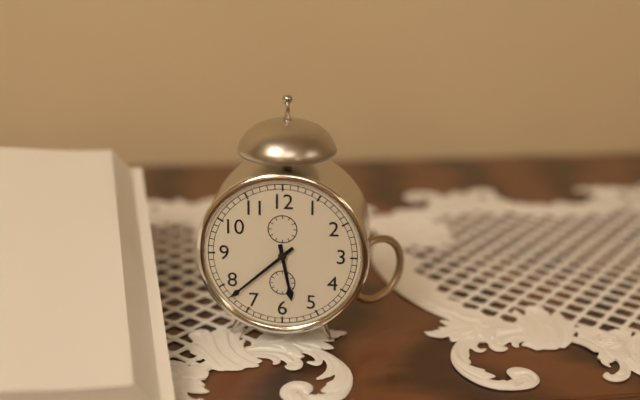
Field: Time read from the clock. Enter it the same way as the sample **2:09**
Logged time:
**5:38**
